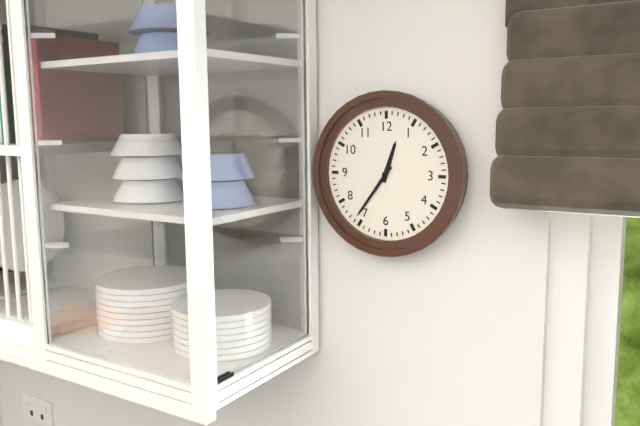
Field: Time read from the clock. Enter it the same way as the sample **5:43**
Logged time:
**12:36**
